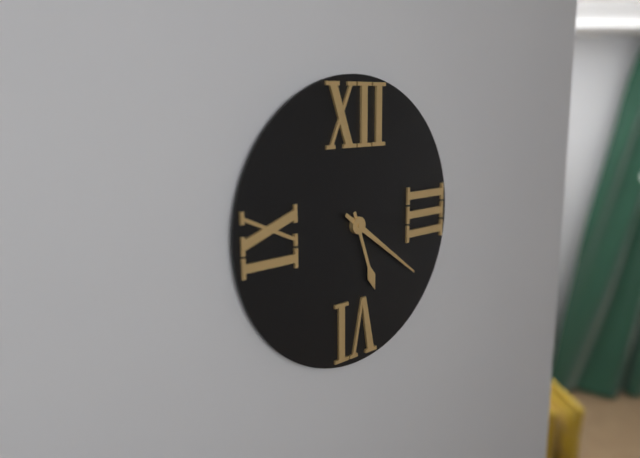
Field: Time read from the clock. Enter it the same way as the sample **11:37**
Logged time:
**5:21**
